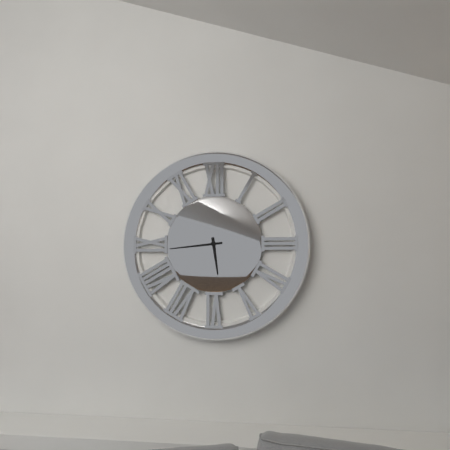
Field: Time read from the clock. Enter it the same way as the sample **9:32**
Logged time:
**5:44**
